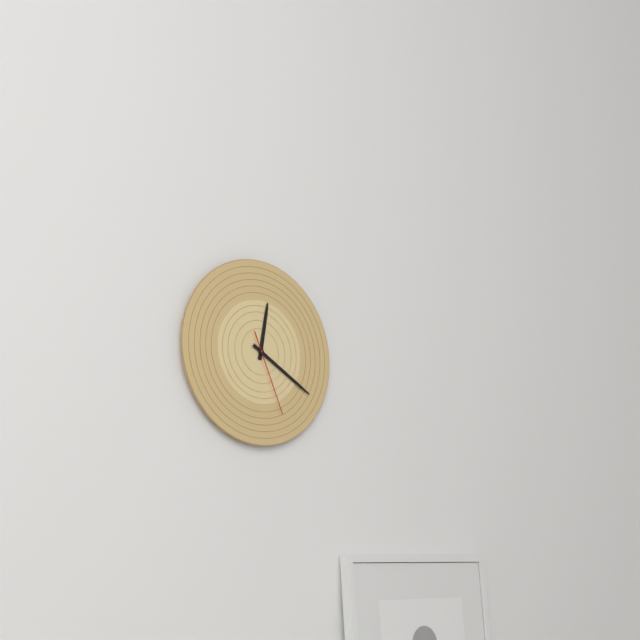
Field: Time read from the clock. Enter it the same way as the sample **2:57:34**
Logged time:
**12:20:26**
